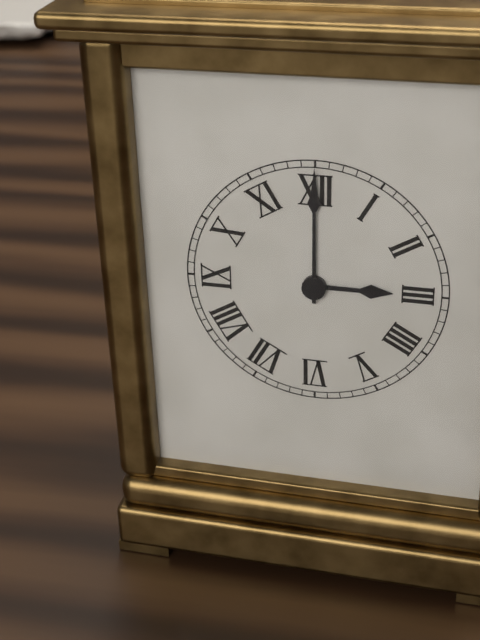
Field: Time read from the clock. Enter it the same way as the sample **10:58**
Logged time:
**3:00**
